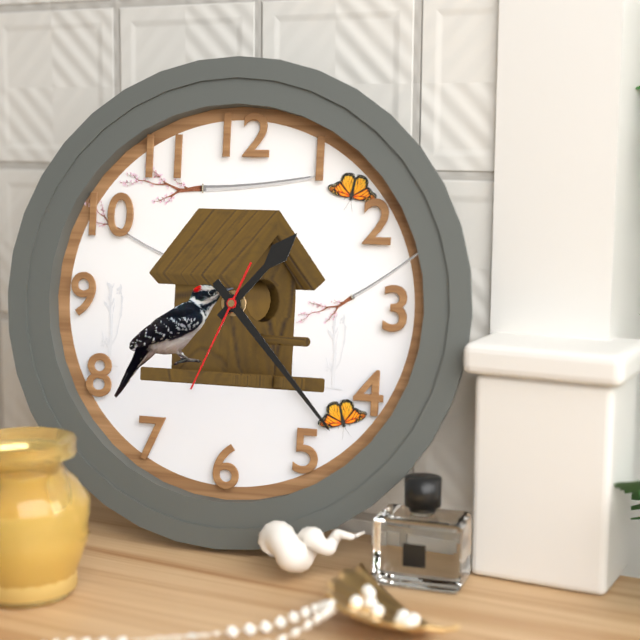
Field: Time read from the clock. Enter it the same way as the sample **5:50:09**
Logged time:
**1:23:34**
